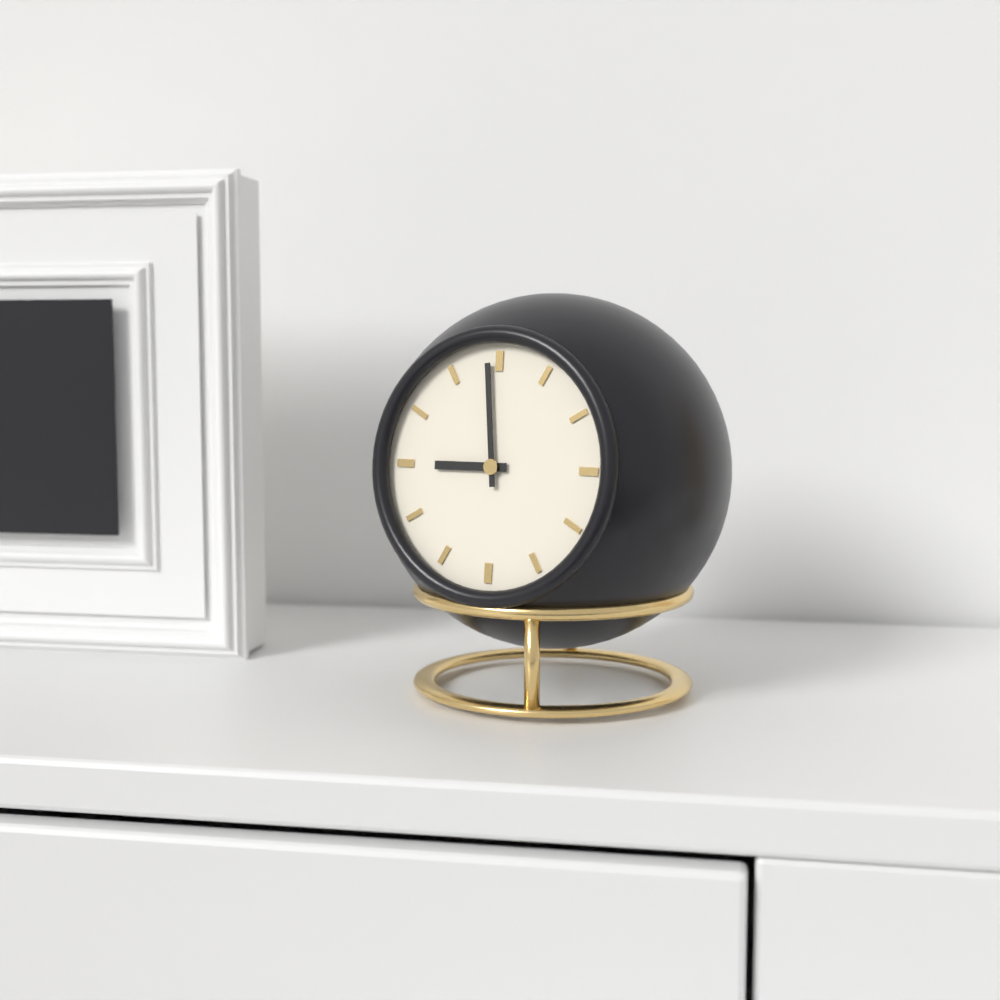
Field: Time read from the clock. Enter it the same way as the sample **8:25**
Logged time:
**8:59**
